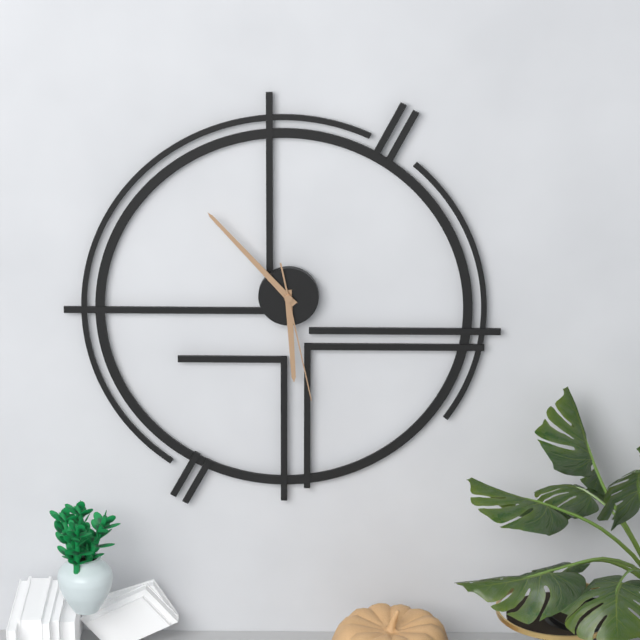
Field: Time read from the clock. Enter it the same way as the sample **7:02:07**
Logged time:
**5:53:28**
